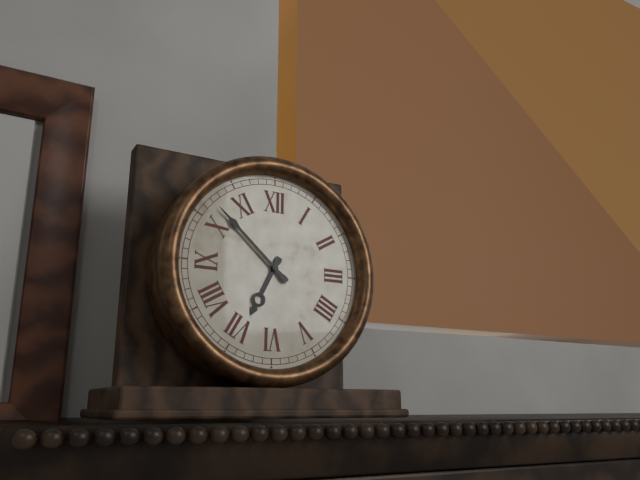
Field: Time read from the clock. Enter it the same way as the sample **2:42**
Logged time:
**6:52**
